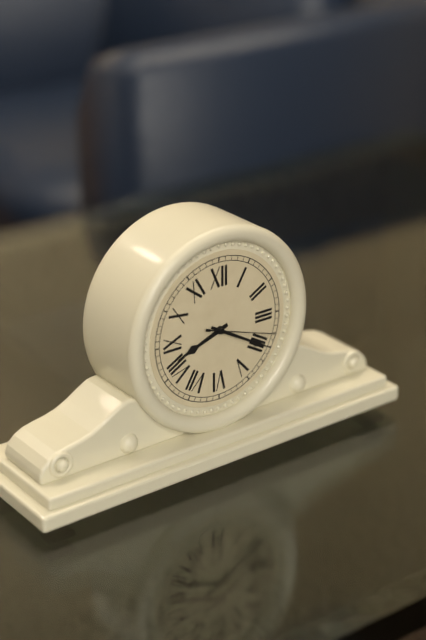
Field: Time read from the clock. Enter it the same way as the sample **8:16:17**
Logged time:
**8:20:18**
